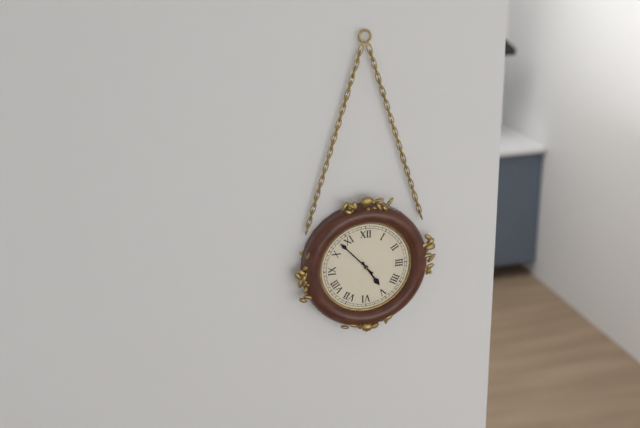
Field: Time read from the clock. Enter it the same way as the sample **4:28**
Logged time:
**4:53**
